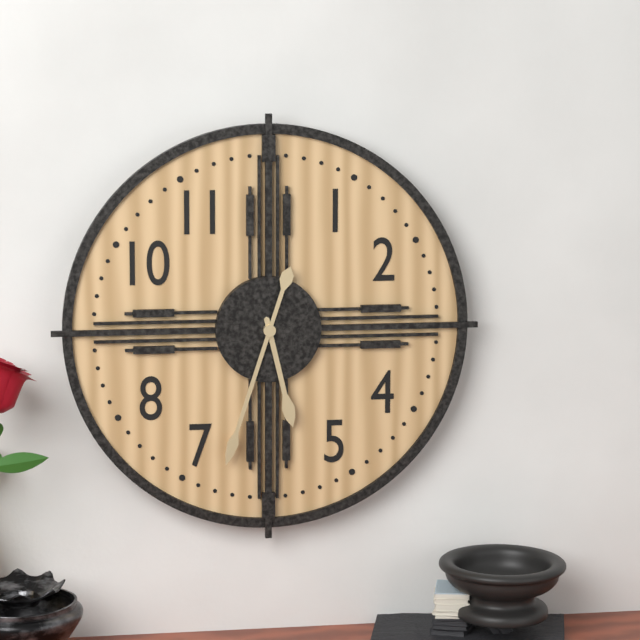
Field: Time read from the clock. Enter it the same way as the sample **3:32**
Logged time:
**5:33**
